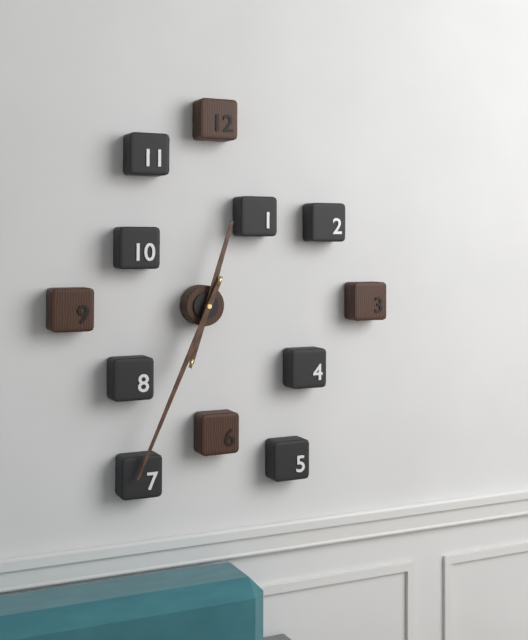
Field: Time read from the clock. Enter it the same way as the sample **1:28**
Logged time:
**12:34**
